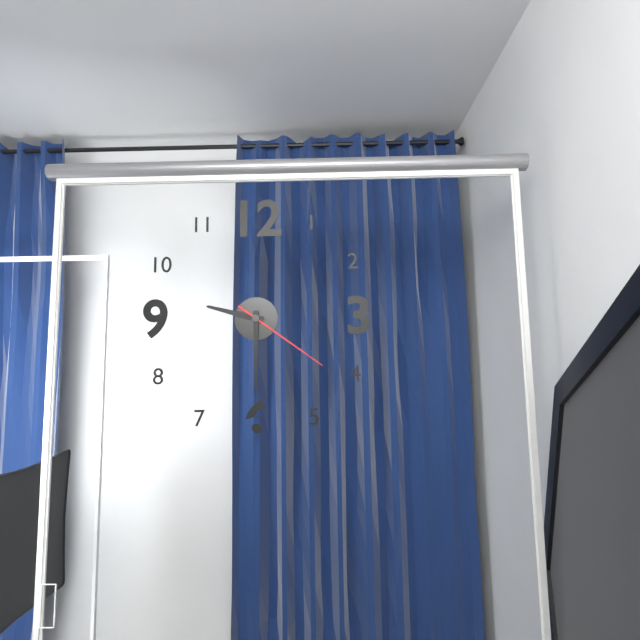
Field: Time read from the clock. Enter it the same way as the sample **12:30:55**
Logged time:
**9:30:21**
